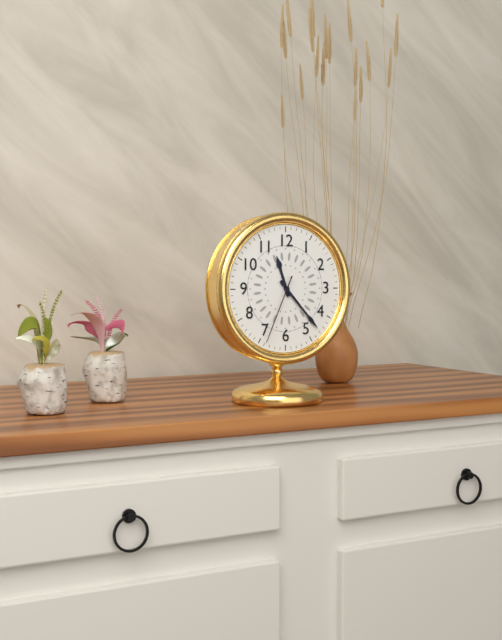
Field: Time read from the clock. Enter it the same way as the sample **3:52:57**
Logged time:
**11:23:34**
